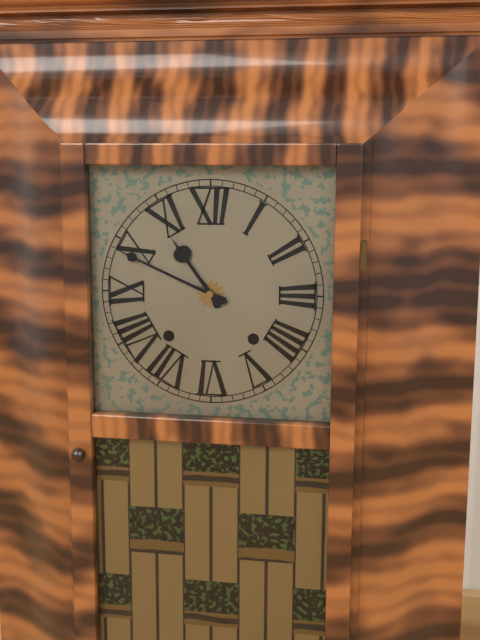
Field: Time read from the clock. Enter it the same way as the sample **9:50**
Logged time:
**10:49**
